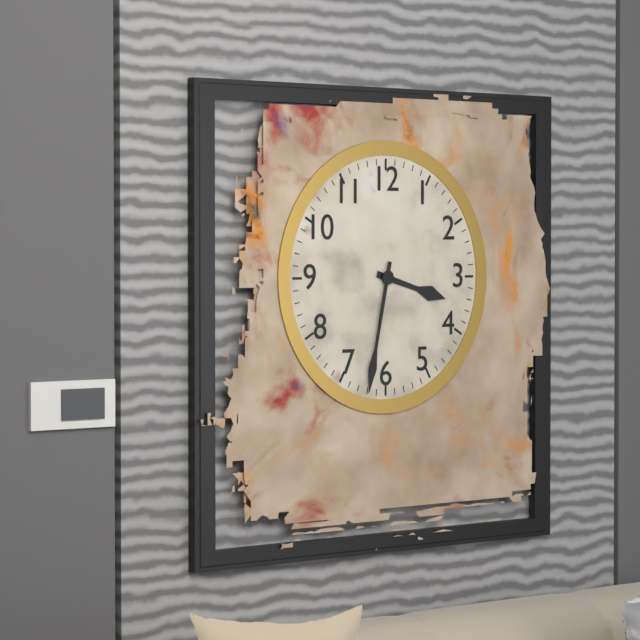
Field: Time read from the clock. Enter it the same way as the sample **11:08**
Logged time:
**3:32**
